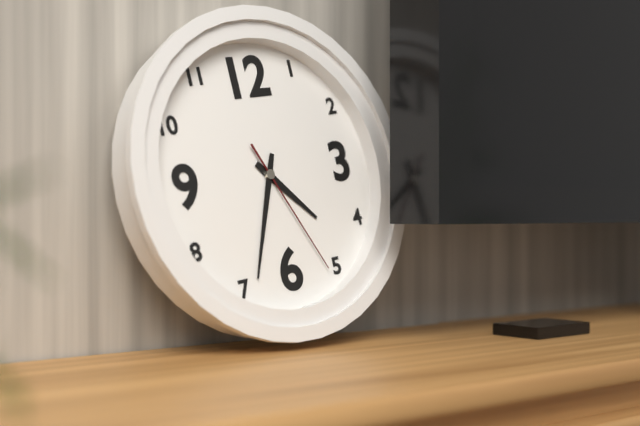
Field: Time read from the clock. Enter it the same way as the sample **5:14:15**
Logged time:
**4:34:26**
